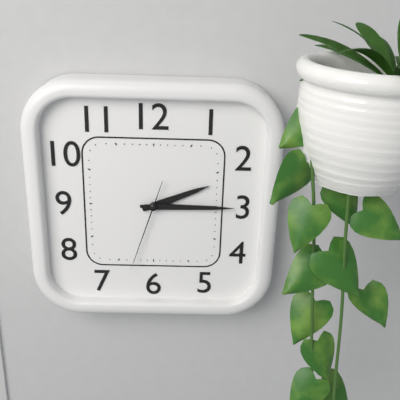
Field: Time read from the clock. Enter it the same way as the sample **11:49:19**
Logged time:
**2:15:33**
